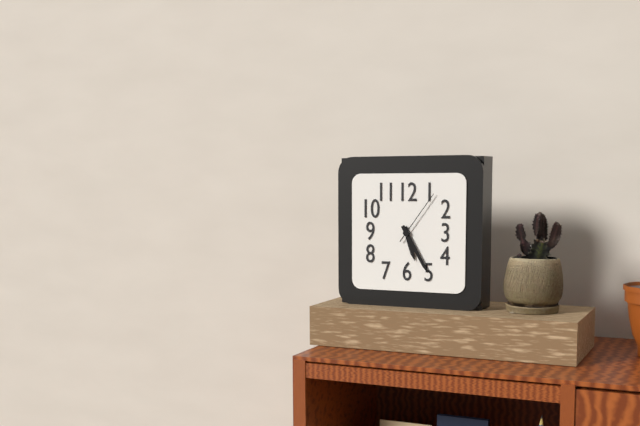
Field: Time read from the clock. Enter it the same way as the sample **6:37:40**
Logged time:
**5:25:06**
